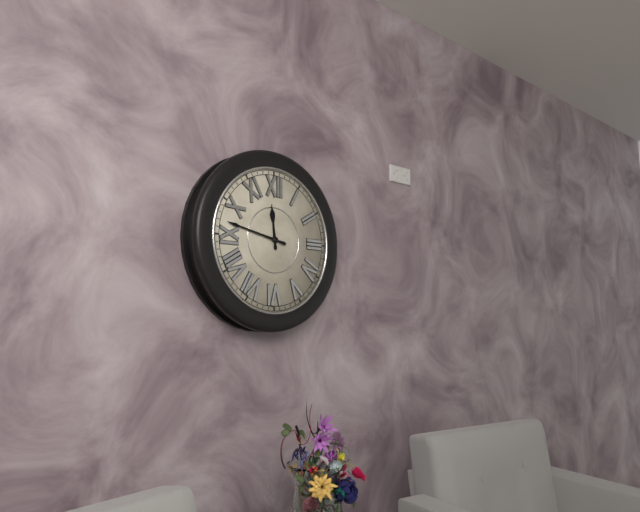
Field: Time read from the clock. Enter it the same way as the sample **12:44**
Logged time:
**11:47**
